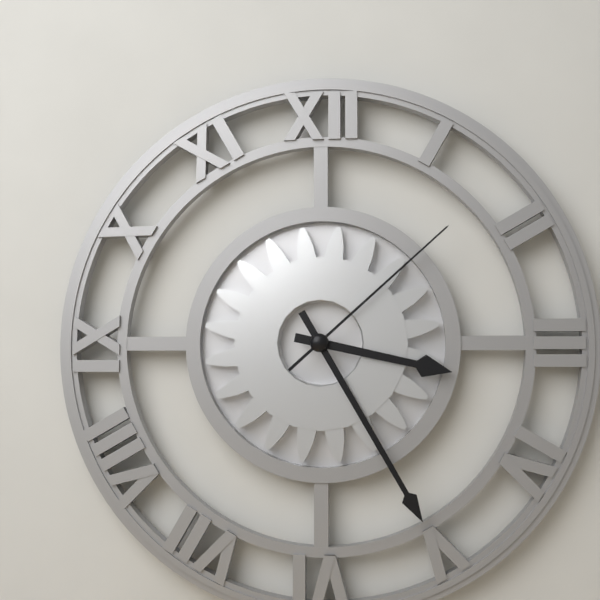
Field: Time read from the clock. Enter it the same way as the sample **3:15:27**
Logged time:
**3:25:08**
